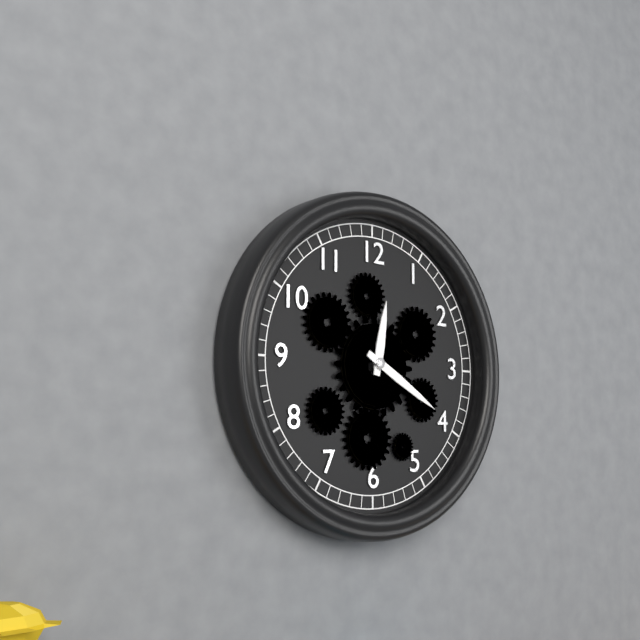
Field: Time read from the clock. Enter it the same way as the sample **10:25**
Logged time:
**12:20**
